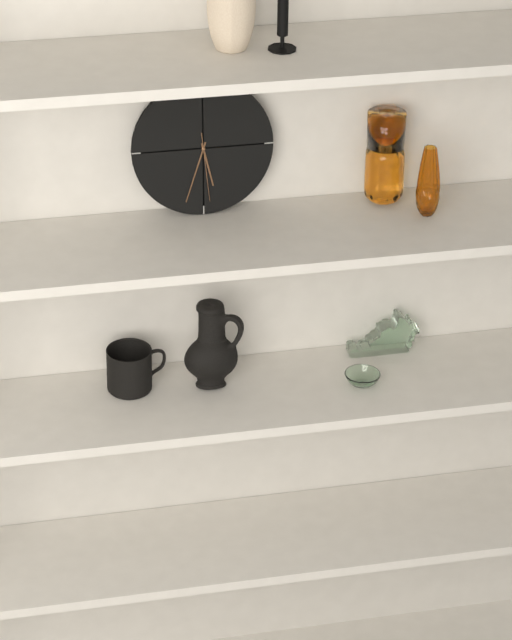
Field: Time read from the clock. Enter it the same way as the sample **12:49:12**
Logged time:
**5:33:29**
